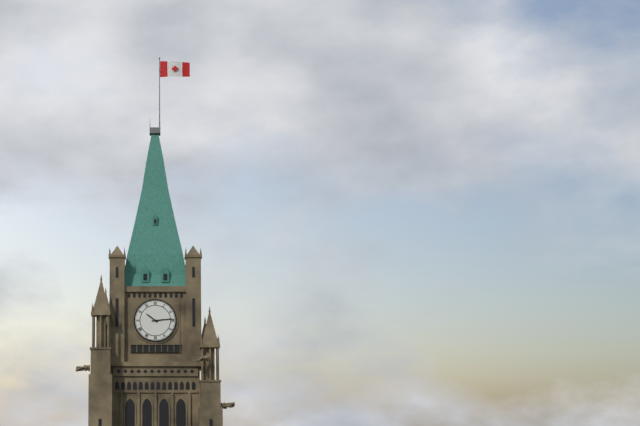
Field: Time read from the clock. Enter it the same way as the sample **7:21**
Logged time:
**10:14**
